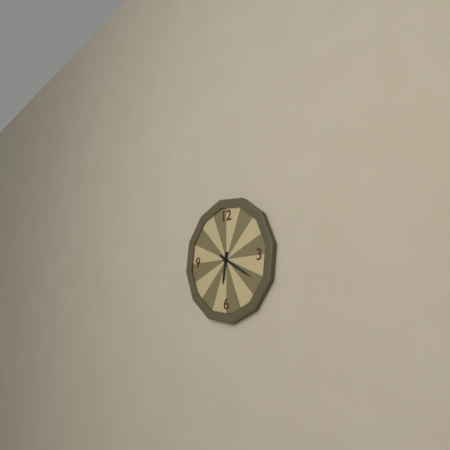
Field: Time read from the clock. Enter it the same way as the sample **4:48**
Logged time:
**6:20**
